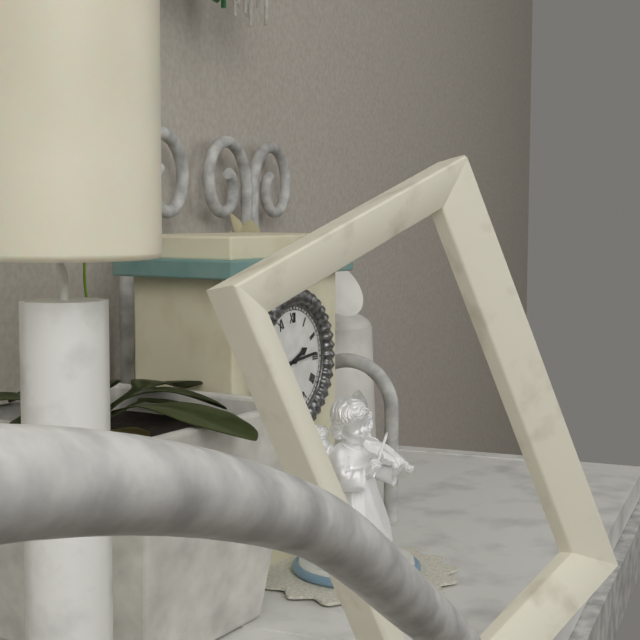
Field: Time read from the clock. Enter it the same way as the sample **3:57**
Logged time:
**2:14**
